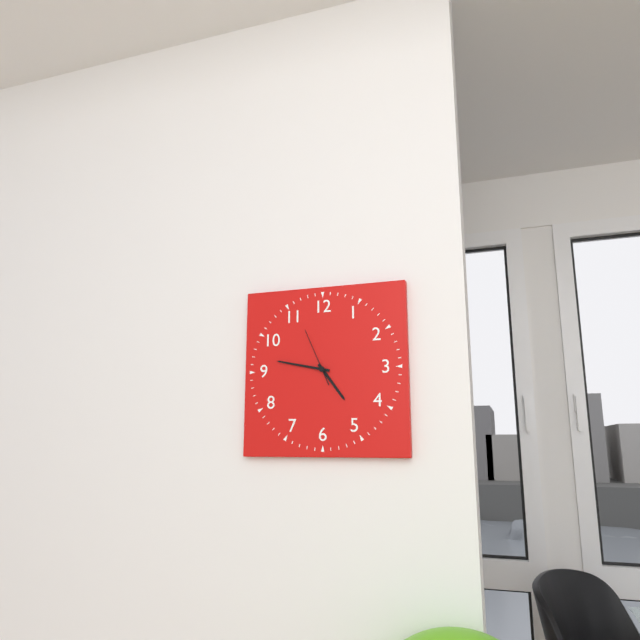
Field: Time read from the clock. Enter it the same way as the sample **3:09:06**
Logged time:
**4:47:56**
